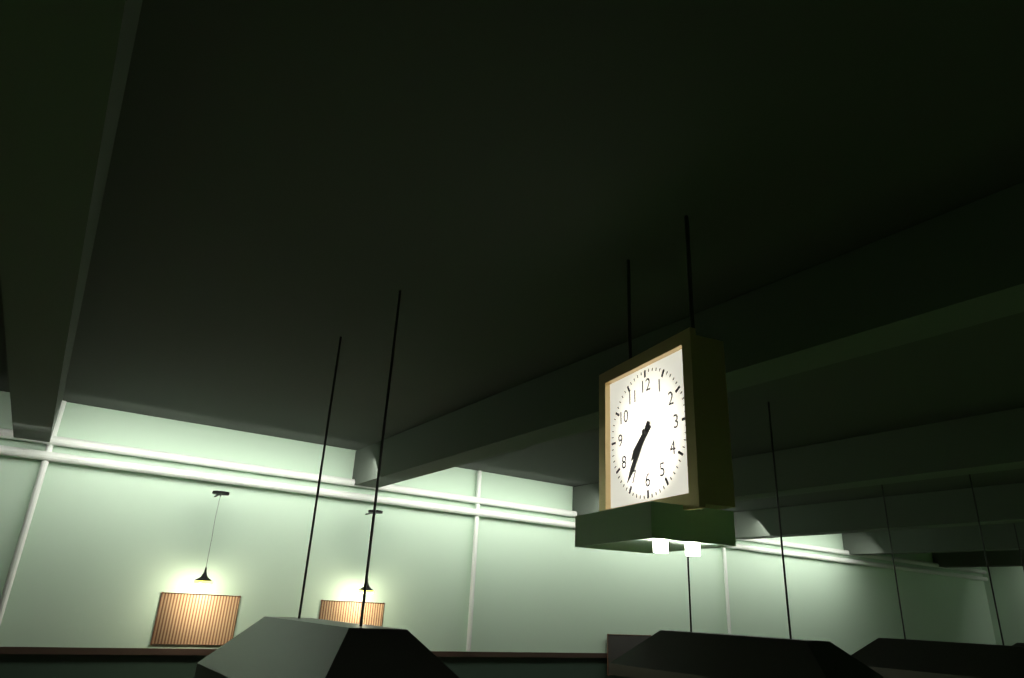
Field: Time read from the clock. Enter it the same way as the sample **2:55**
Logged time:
**7:36**
